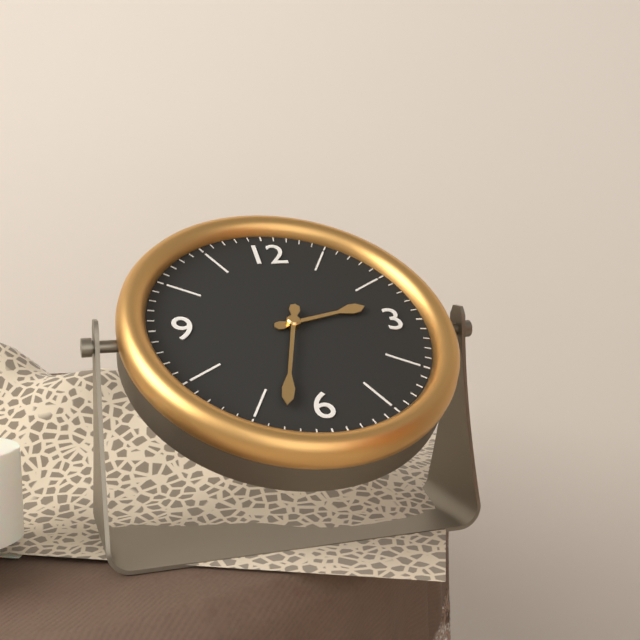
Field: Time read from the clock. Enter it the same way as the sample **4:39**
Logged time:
**2:33**
